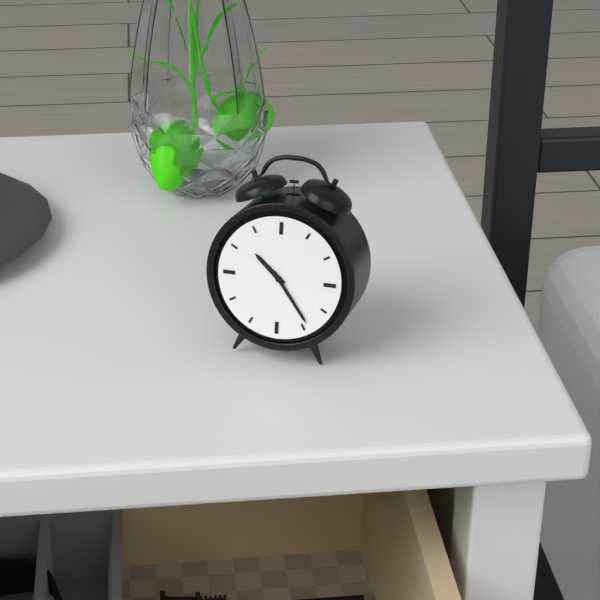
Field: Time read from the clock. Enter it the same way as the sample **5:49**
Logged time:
**10:24**
